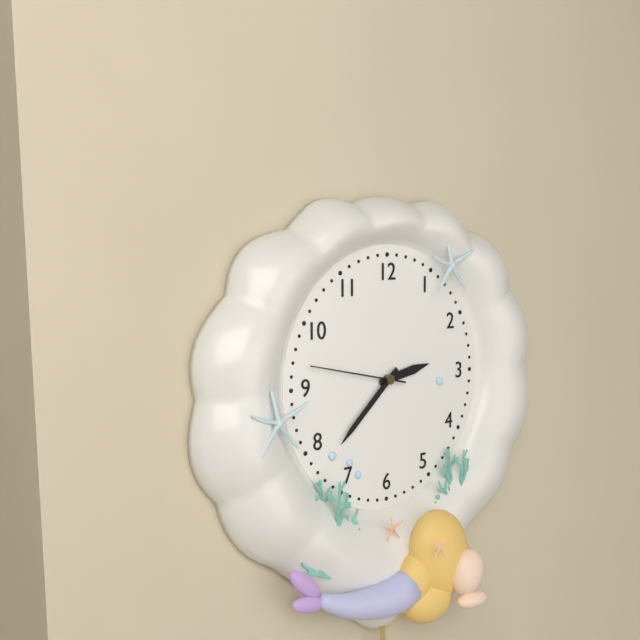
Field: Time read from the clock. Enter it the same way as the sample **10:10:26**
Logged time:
**2:38:47**
